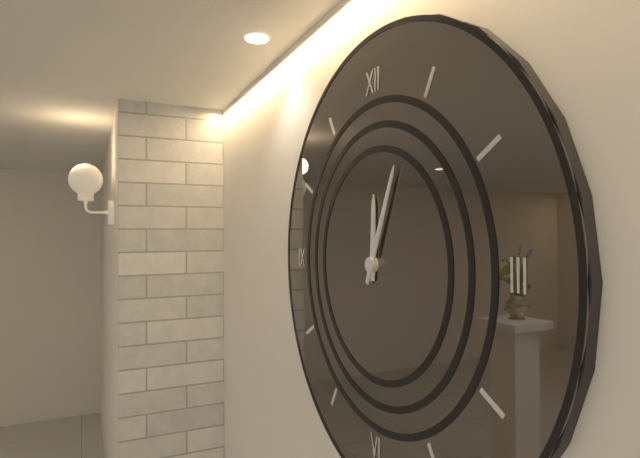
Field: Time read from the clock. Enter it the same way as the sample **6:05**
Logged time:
**12:04**
